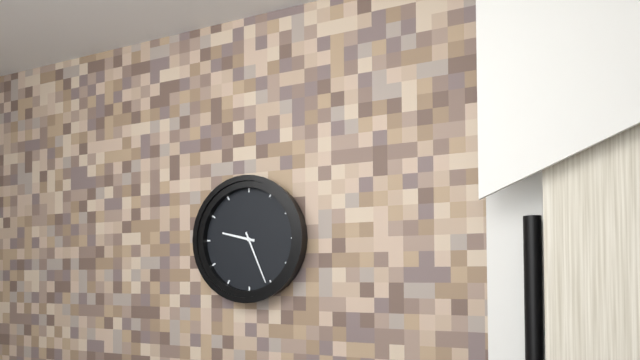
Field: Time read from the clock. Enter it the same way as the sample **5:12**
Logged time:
**9:26**
